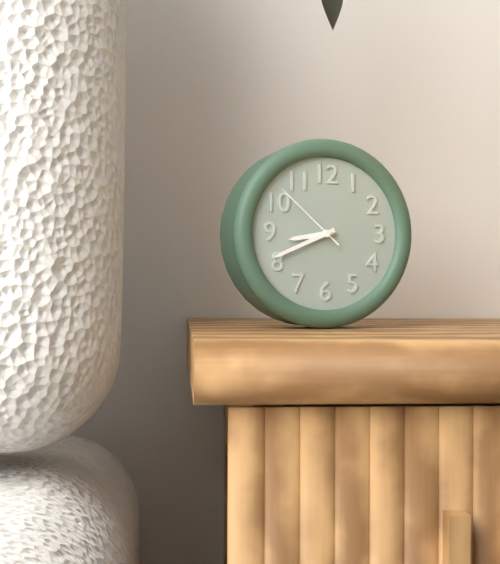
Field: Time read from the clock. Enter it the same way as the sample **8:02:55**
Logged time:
**8:41:52**
